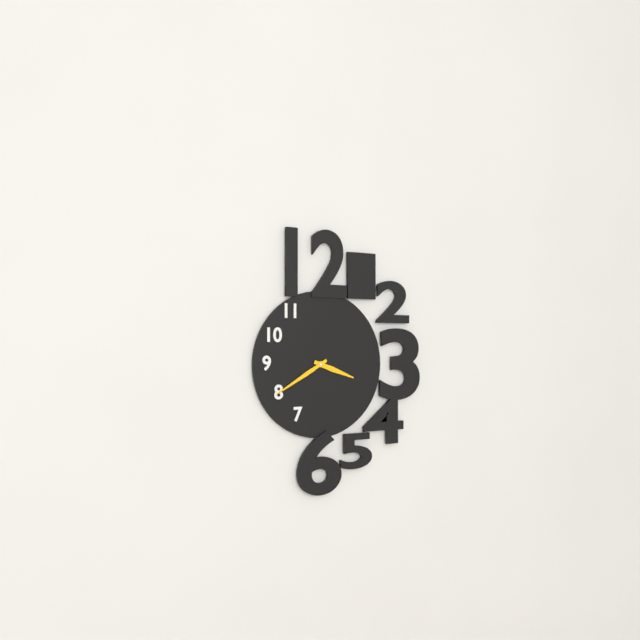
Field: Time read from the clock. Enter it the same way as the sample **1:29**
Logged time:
**3:40**
